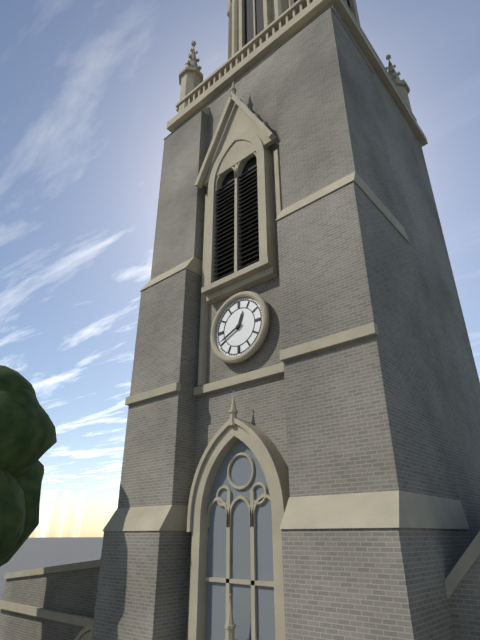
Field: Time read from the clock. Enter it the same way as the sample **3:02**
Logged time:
**12:41**
